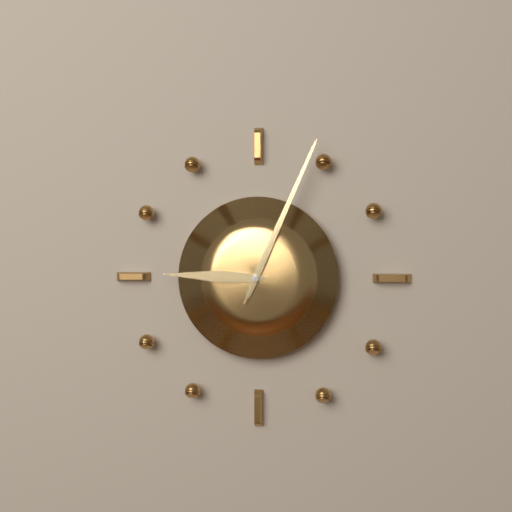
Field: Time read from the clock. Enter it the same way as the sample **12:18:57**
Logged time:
**9:04:04**
